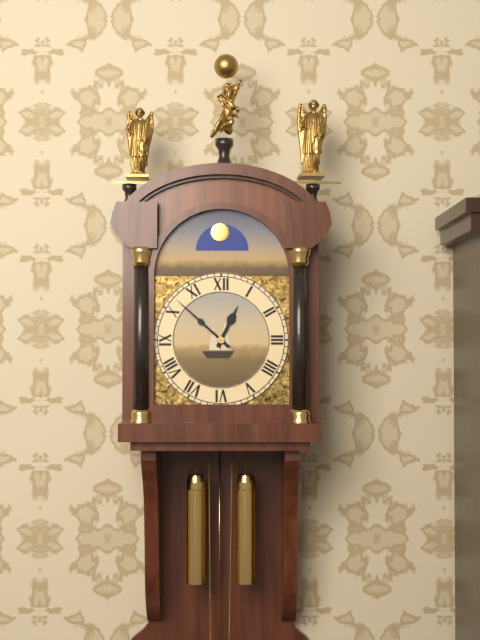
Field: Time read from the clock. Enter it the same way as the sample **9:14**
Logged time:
**12:52**
